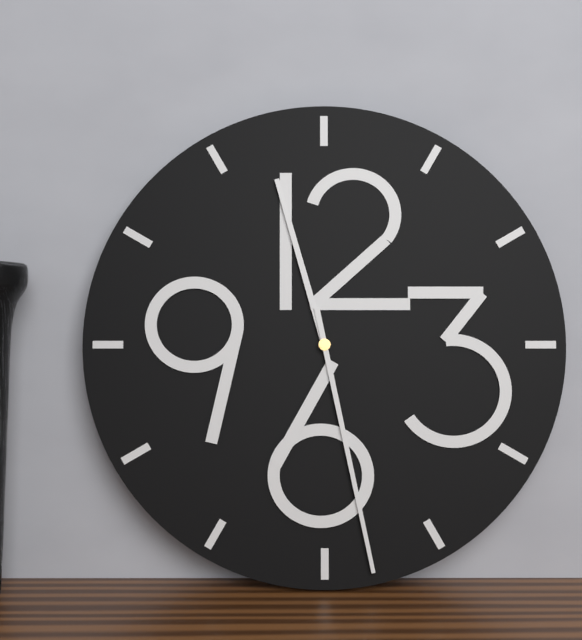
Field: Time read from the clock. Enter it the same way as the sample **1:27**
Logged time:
**11:28**
